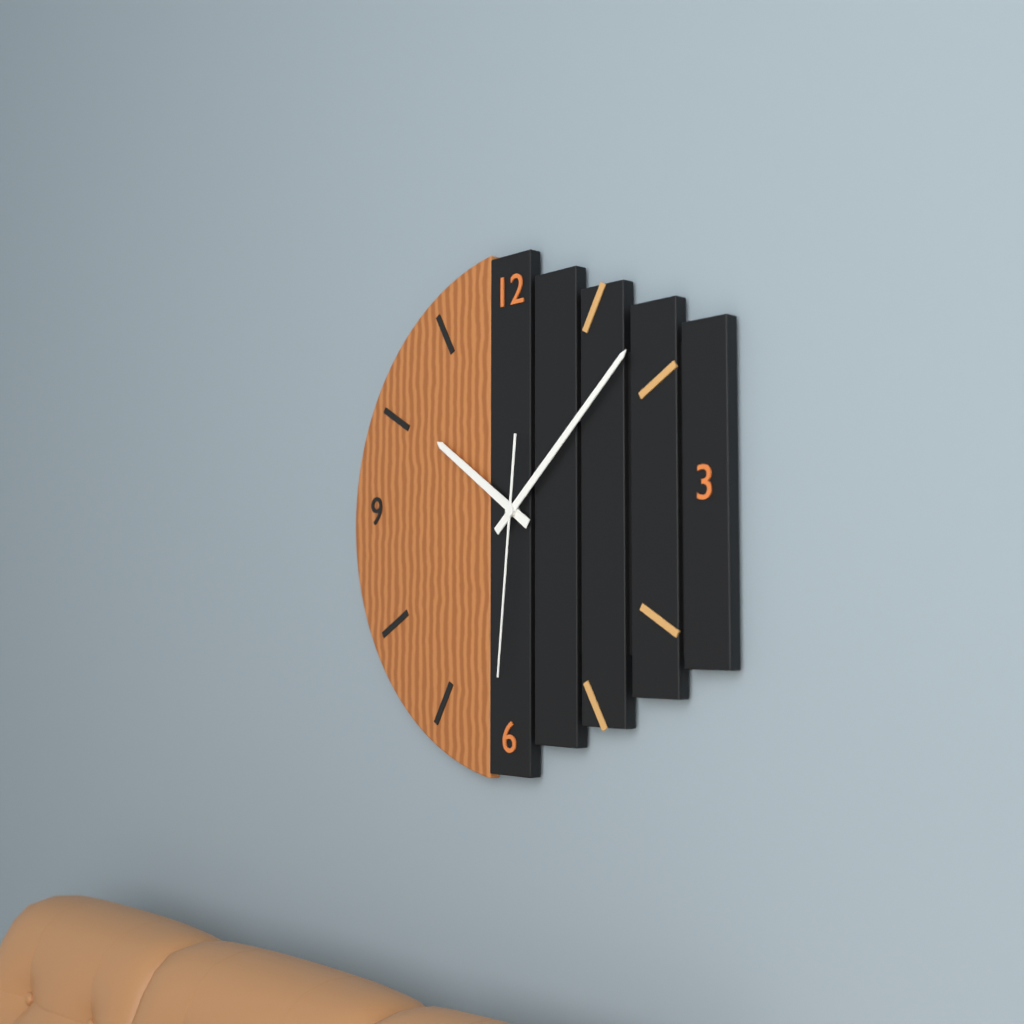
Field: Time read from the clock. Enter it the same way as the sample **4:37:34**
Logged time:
**10:08:31**
